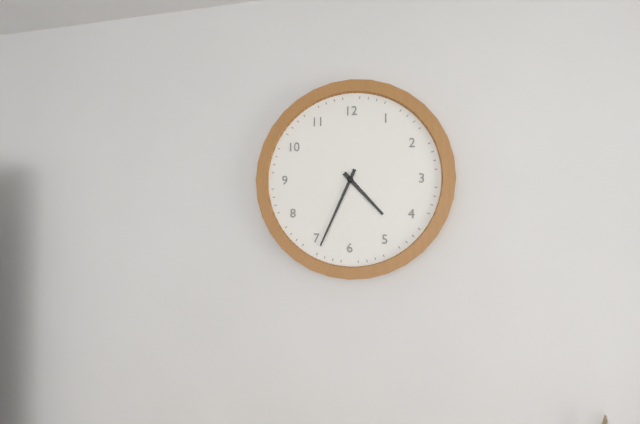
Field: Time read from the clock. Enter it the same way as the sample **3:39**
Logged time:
**4:34**
